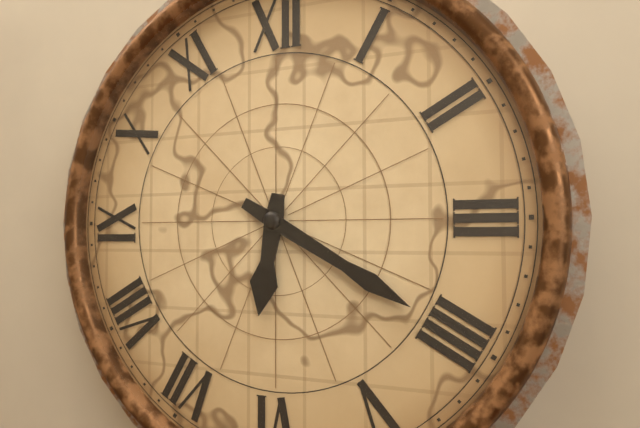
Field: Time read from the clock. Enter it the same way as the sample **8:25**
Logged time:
**6:20**
